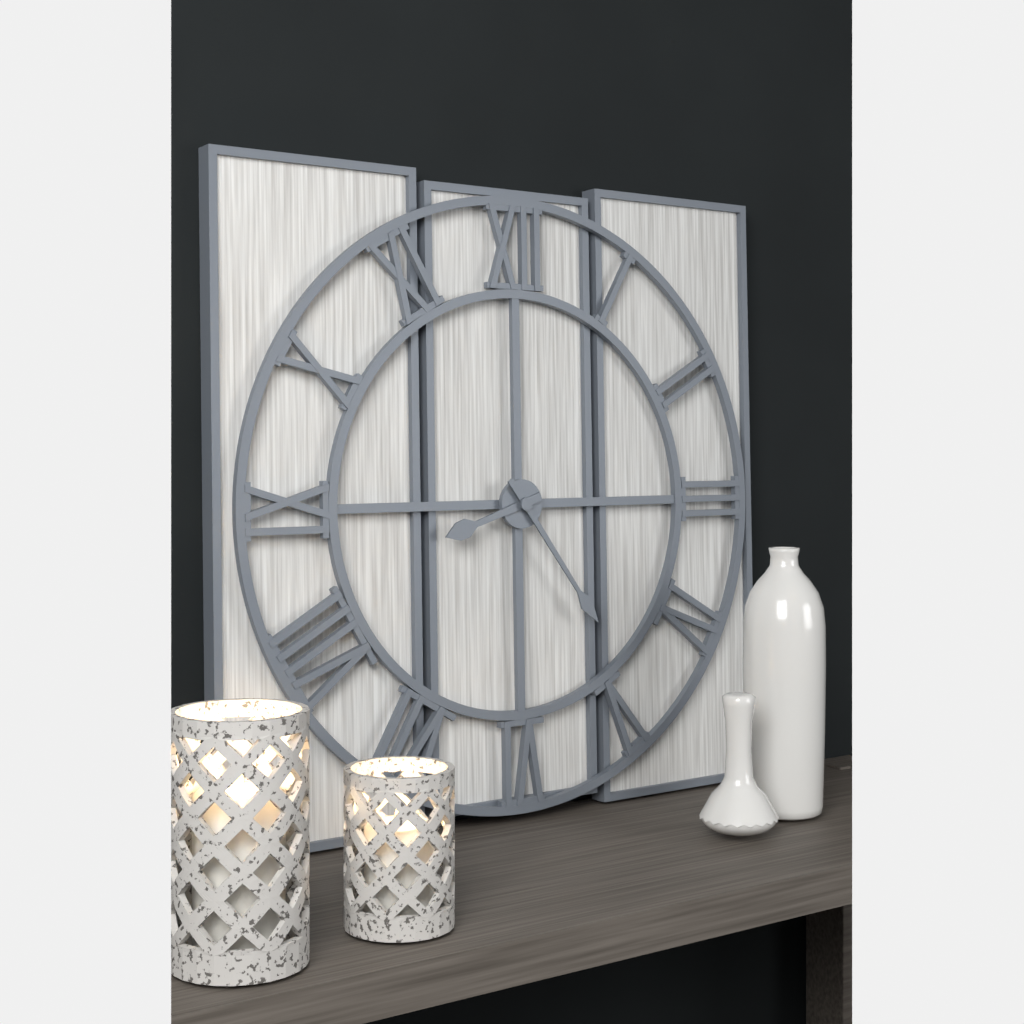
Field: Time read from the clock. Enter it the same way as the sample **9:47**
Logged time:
**8:24**
